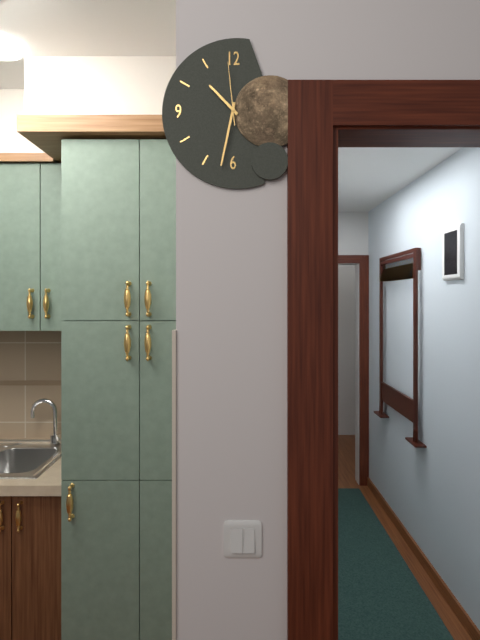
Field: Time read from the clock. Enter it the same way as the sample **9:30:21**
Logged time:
**10:32:59**
